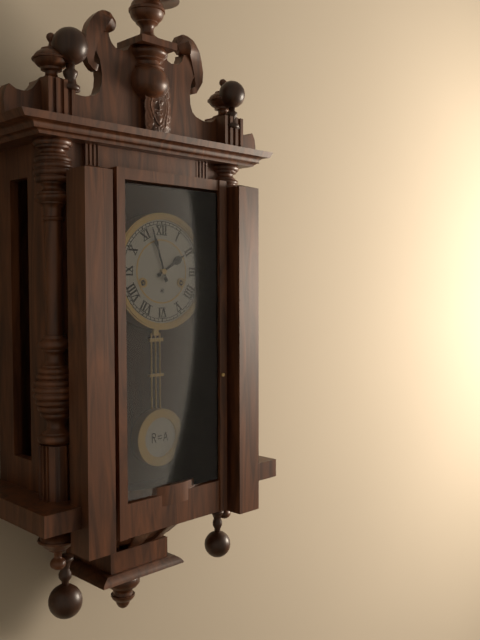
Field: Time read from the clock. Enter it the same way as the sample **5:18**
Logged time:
**1:57**
